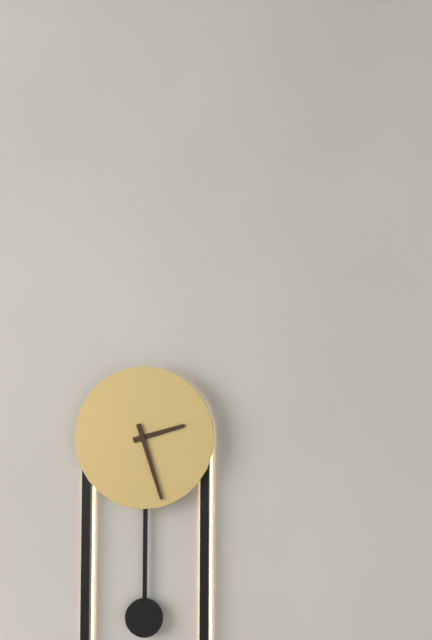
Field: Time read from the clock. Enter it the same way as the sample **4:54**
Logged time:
**2:27**
